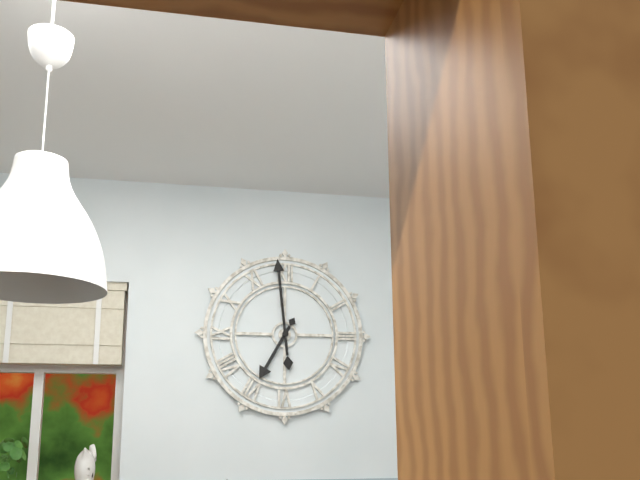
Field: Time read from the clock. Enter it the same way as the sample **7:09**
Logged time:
**6:59**
